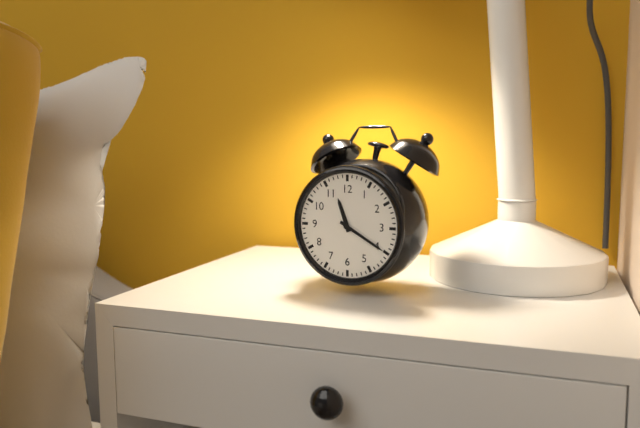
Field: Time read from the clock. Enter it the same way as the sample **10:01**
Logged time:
**11:20**
